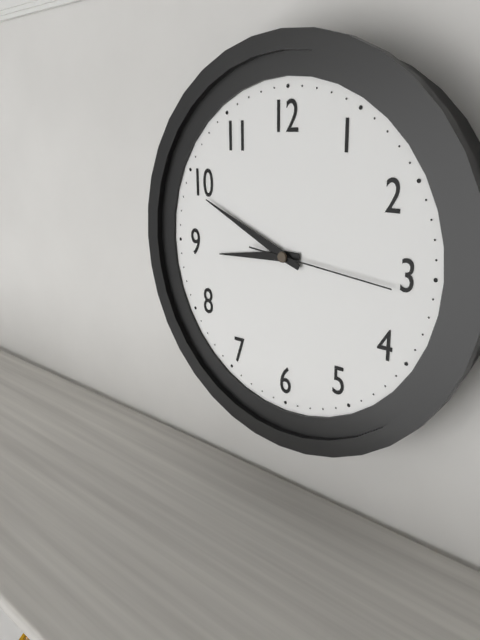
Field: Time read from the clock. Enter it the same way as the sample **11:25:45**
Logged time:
**8:49:16**
